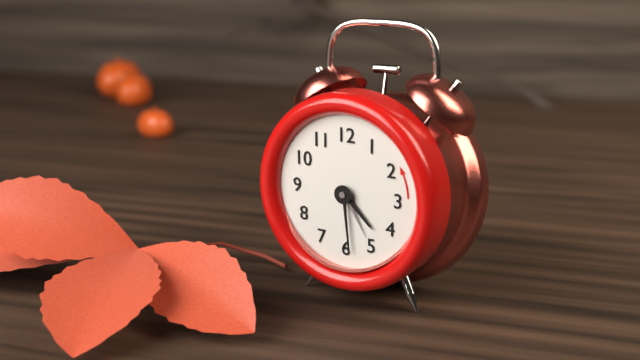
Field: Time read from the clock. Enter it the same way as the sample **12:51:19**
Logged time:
**4:29:25**
